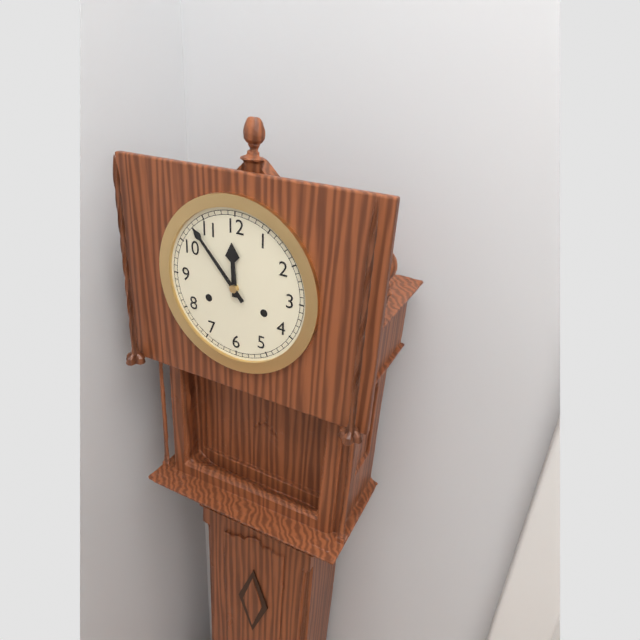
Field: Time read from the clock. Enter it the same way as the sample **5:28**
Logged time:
**11:53**
